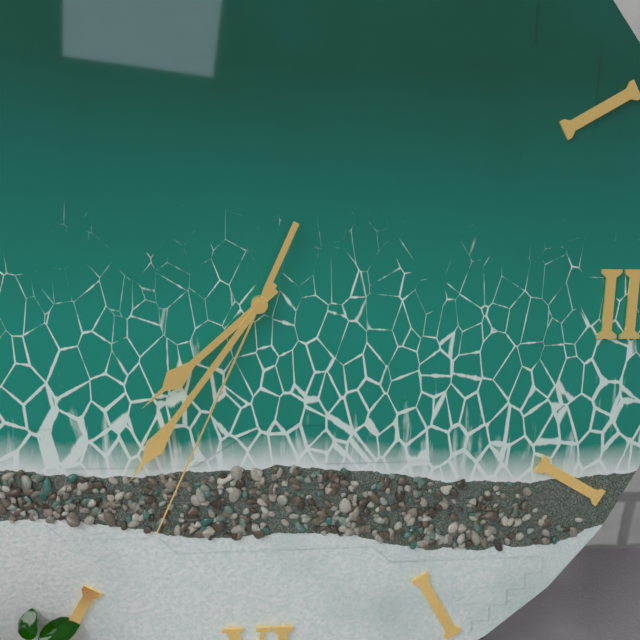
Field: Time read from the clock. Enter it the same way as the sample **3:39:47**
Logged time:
**7:36:34**
